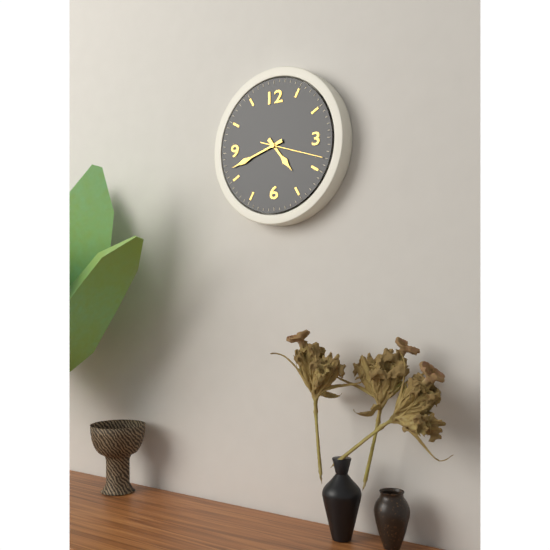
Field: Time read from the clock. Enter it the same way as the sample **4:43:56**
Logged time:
**4:42:18**
